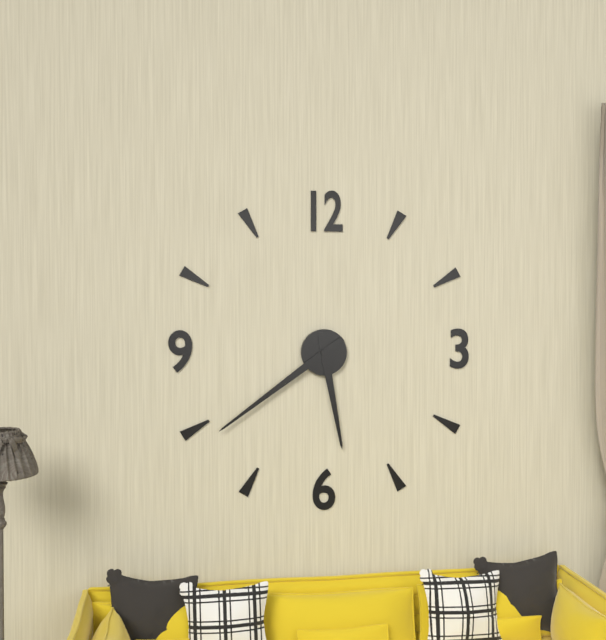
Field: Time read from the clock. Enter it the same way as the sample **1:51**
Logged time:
**5:39**
